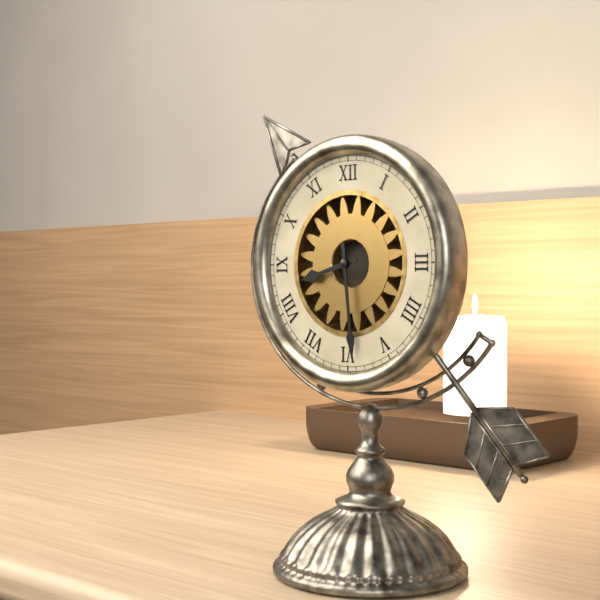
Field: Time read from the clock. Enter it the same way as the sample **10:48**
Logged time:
**8:29**
